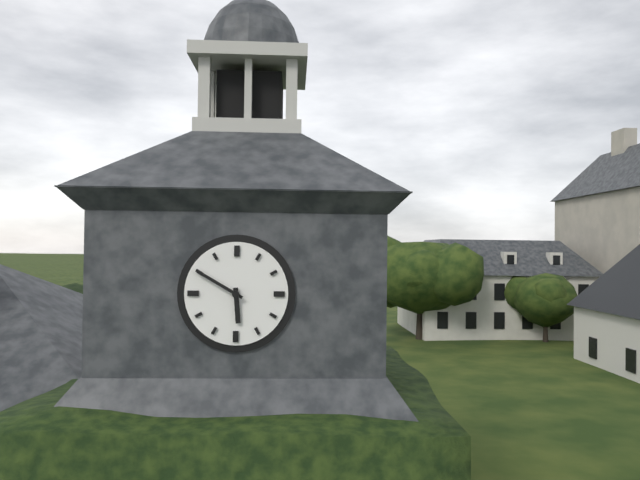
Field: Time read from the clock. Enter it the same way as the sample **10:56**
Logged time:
**5:50**
